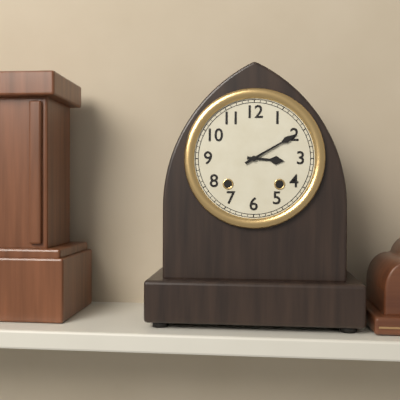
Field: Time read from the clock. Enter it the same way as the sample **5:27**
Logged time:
**3:10**
